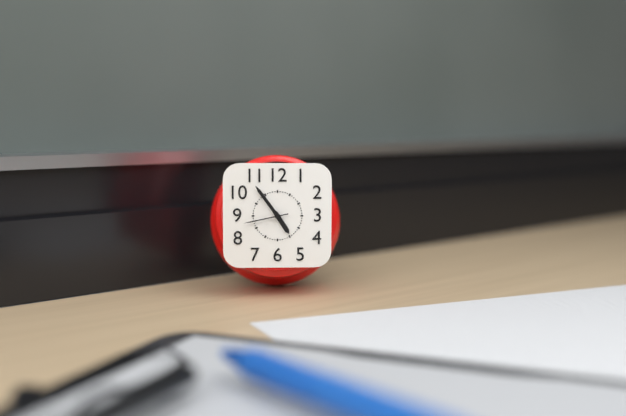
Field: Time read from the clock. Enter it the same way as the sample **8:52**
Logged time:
**4:54**
